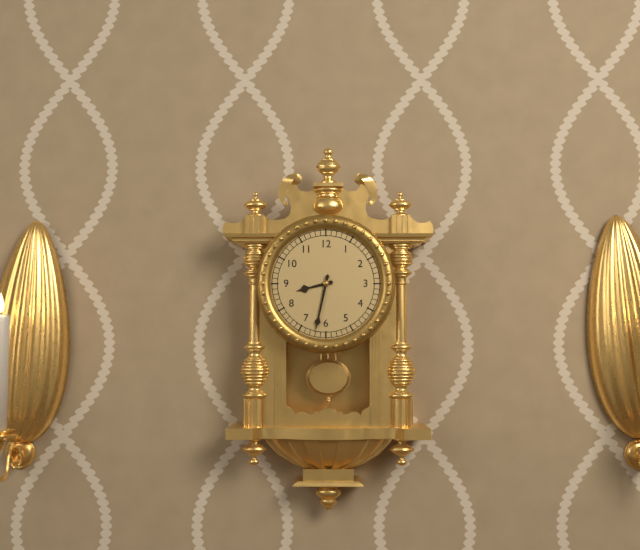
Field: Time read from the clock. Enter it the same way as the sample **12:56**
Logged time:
**8:32**
